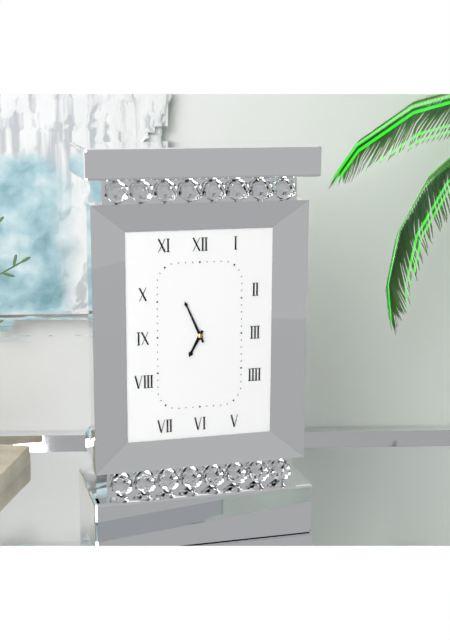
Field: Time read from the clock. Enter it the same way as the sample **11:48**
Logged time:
**6:56**
